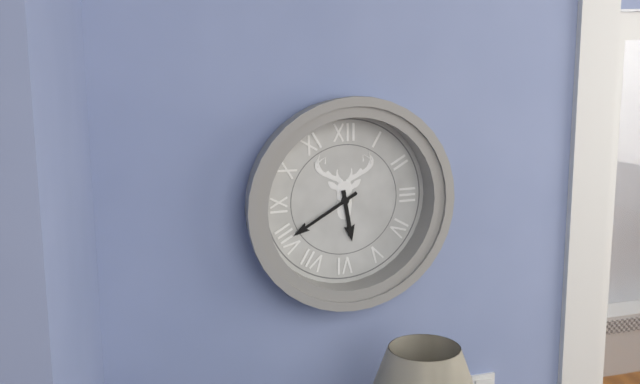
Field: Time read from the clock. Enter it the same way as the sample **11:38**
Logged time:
**5:40**
